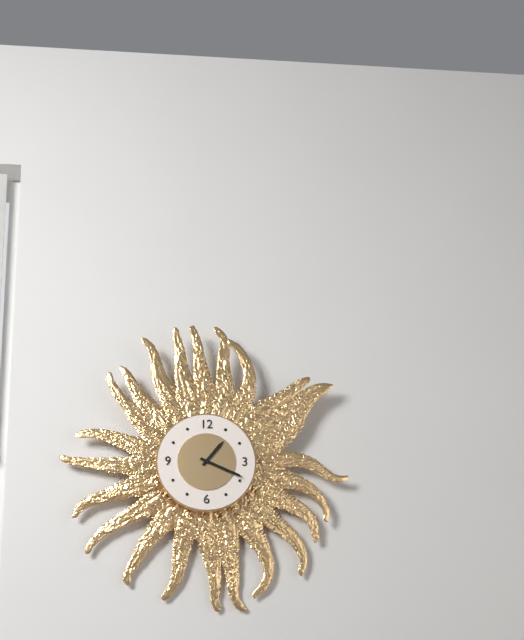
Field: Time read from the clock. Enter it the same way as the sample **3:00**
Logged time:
**1:19**
